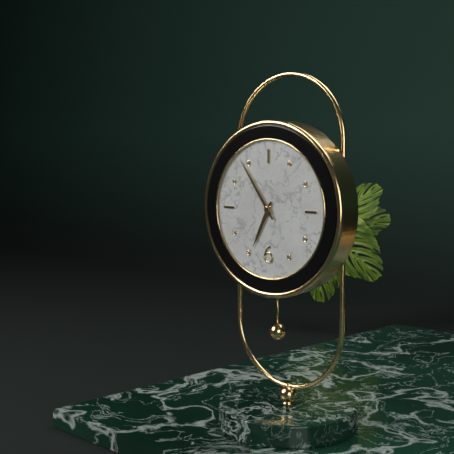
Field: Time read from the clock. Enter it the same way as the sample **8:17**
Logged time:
**6:54**
